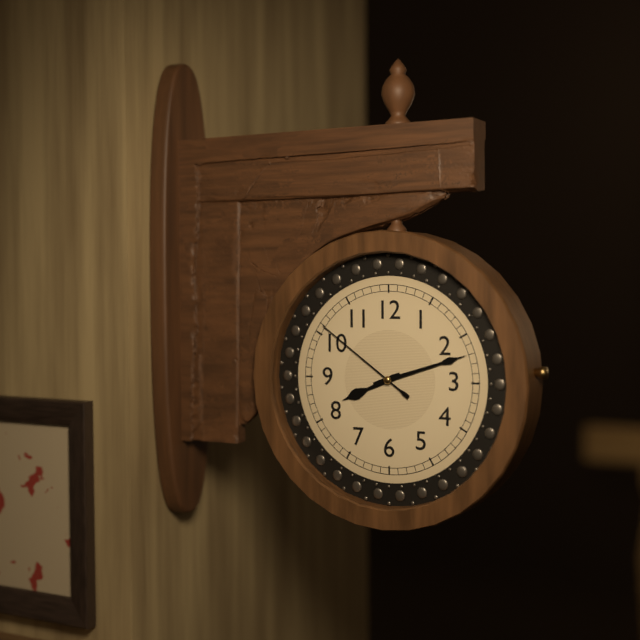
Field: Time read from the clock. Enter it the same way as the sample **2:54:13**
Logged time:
**8:12:51**
